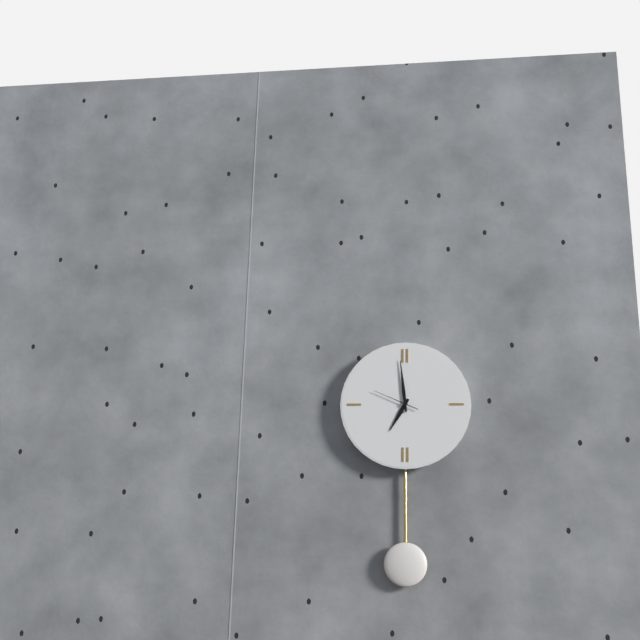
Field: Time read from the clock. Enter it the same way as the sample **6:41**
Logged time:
**6:59**
